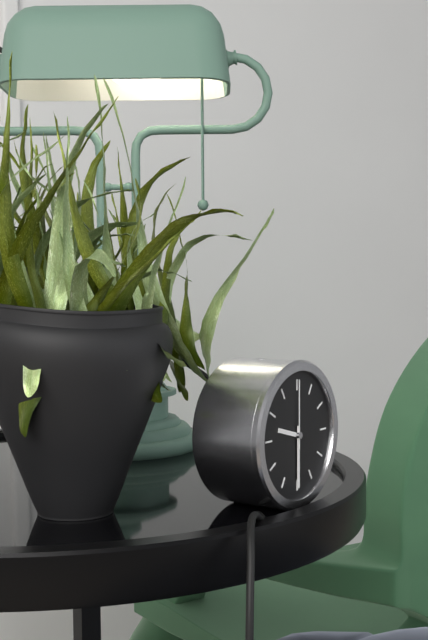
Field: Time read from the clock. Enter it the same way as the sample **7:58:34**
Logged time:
**9:30:00**
